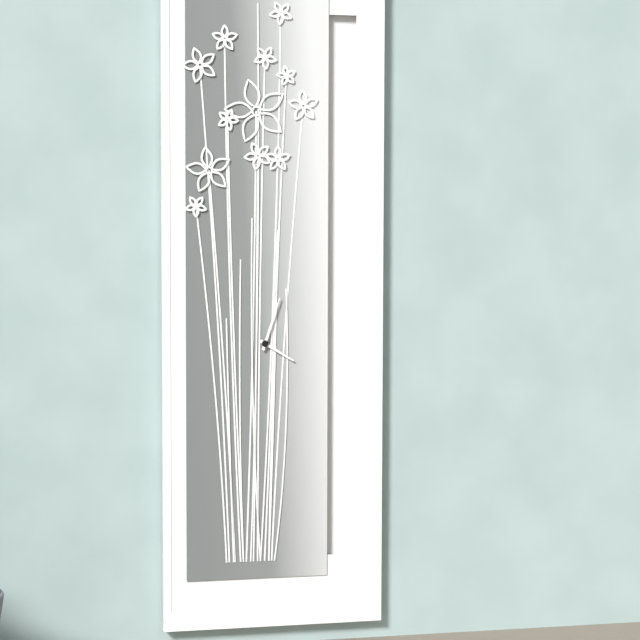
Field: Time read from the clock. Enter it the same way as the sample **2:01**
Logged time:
**4:03**
